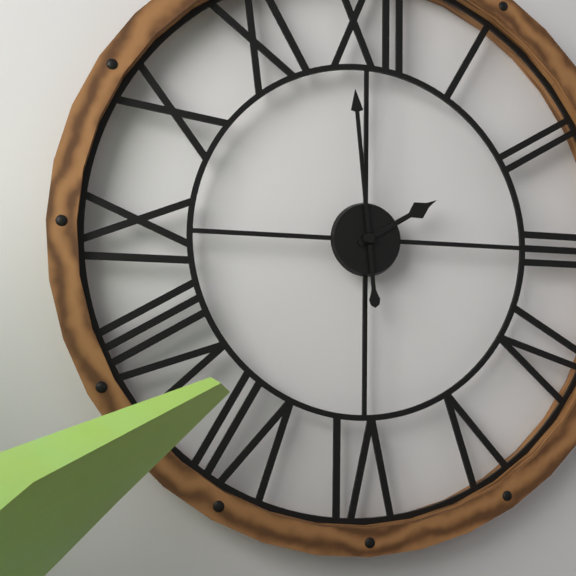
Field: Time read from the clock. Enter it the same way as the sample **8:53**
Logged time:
**1:59**
